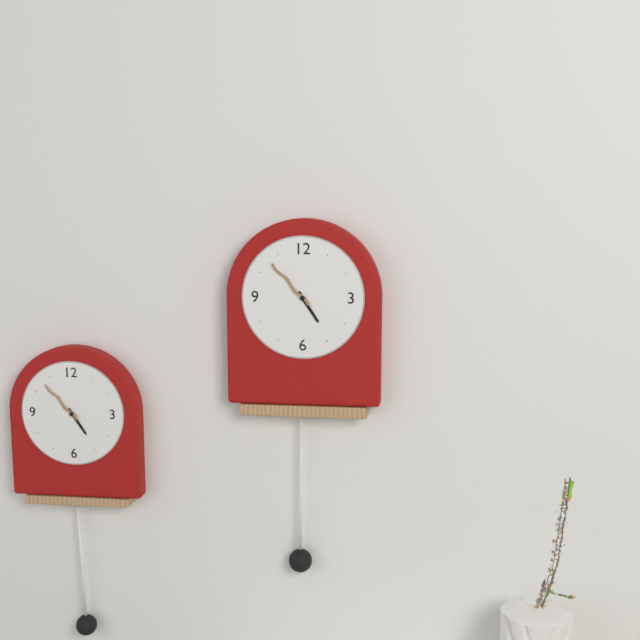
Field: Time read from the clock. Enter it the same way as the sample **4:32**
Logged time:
**4:53**
